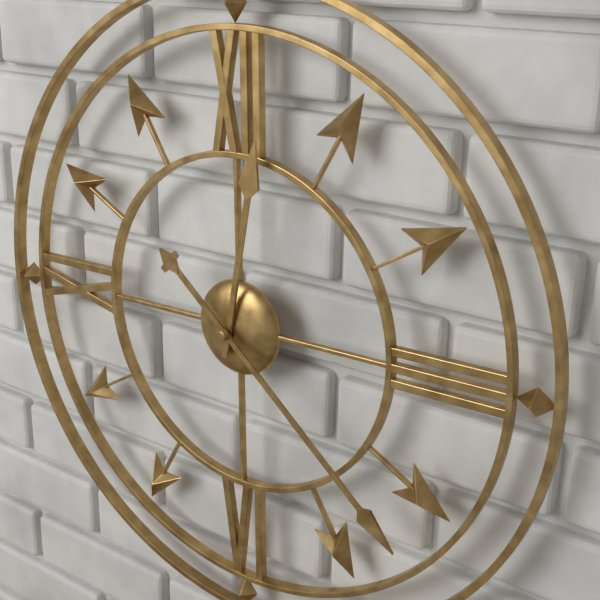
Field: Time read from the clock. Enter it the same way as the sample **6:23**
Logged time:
**12:22**
